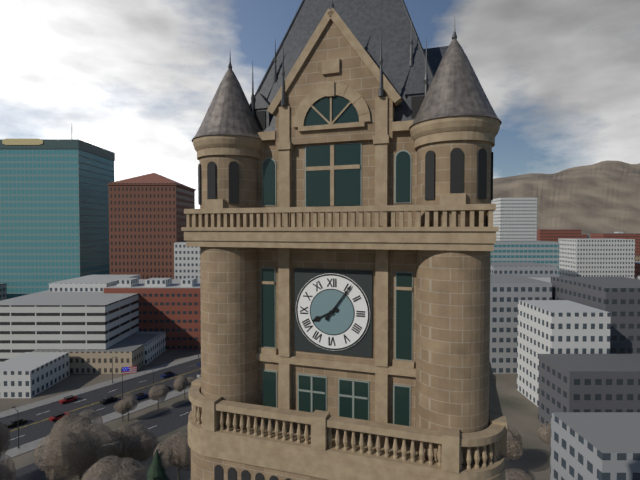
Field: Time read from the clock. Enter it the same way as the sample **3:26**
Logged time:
**8:06**
